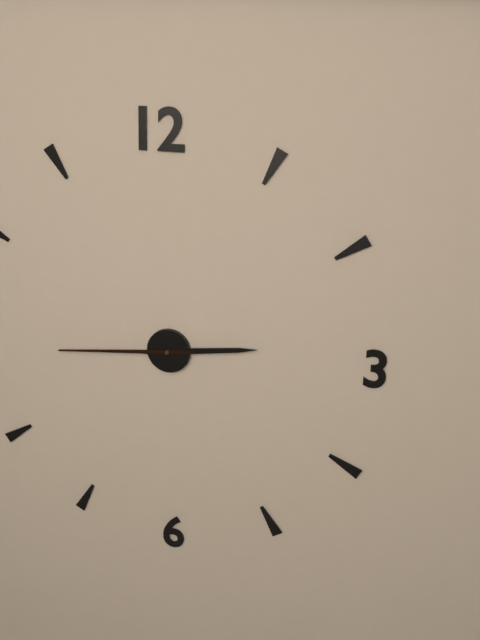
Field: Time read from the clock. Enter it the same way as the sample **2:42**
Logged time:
**2:44**
